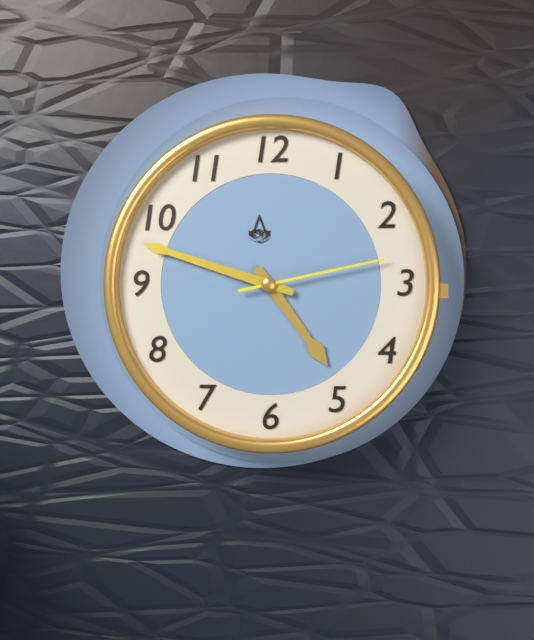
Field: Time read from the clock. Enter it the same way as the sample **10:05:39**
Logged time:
**4:48:13**
